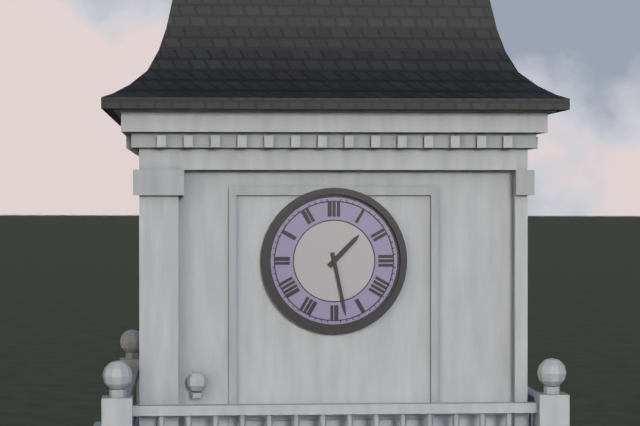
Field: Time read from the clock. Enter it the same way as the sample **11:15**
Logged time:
**1:28**
